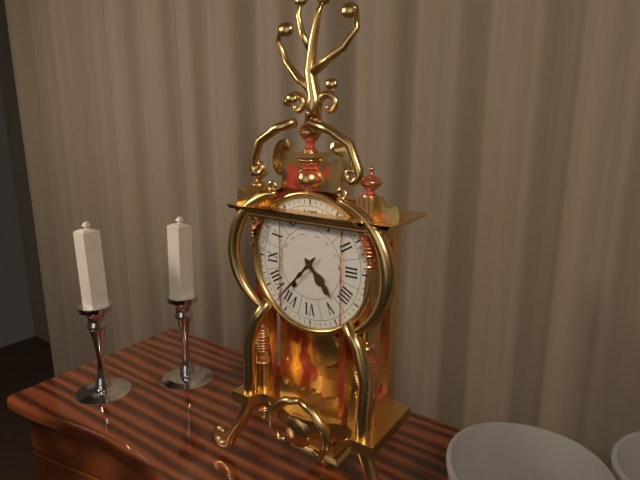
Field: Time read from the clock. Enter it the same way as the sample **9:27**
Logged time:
**4:37**
